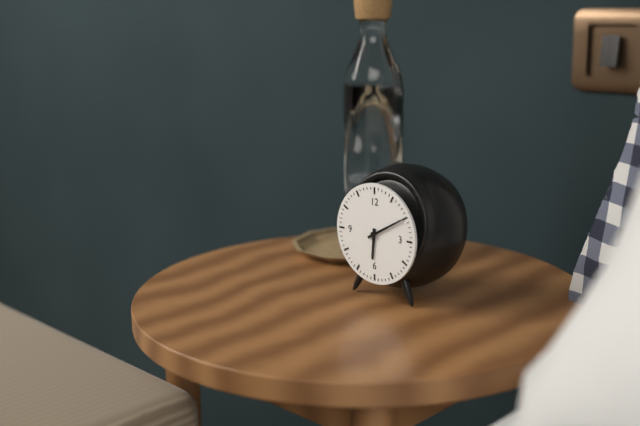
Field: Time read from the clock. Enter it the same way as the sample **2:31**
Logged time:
**6:10**
